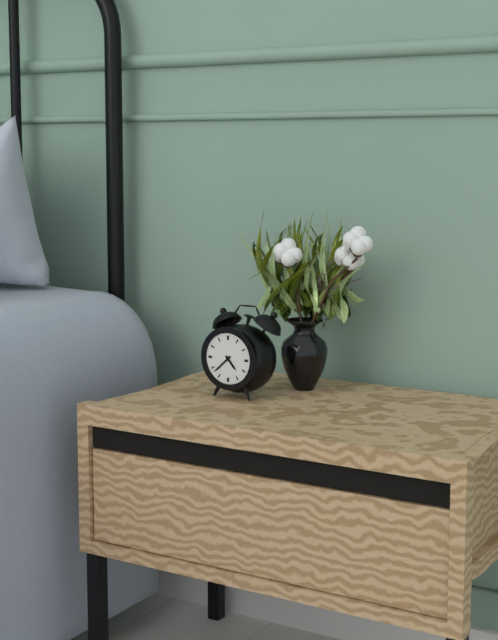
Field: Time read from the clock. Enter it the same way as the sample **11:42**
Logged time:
**4:38**
